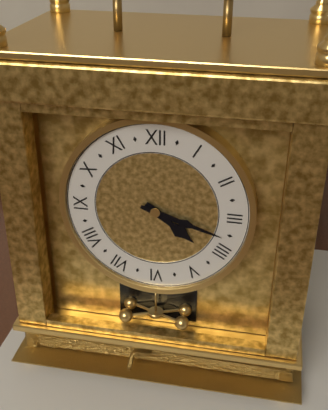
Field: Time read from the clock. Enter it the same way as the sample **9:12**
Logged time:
**4:18**
